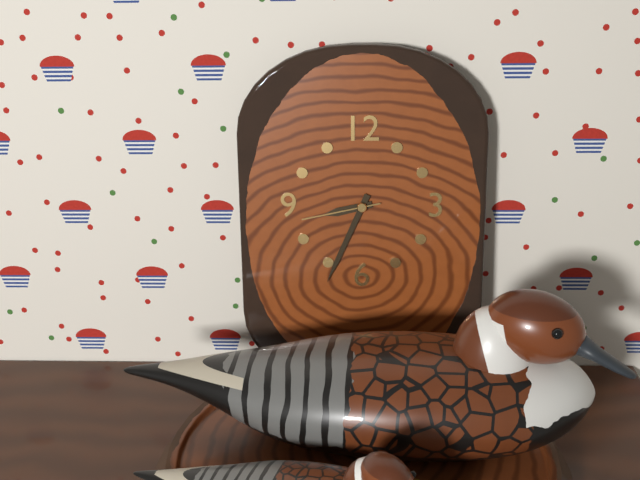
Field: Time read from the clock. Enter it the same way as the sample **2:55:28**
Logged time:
**8:34:43**
